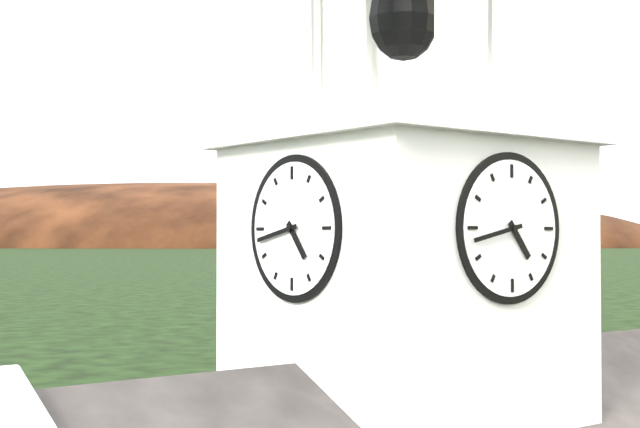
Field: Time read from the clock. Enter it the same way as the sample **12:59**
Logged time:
**4:43**
